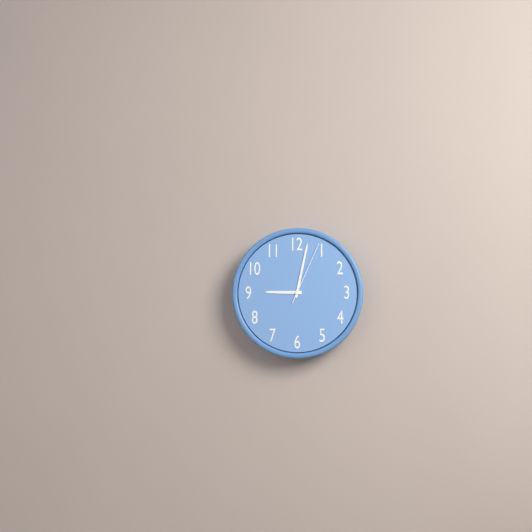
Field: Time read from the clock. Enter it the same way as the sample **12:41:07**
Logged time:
**9:02:04**
